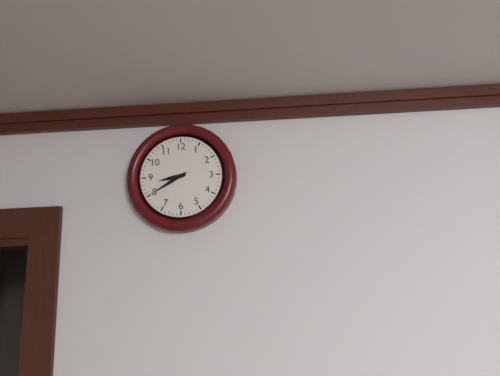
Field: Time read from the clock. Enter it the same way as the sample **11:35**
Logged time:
**8:40**
